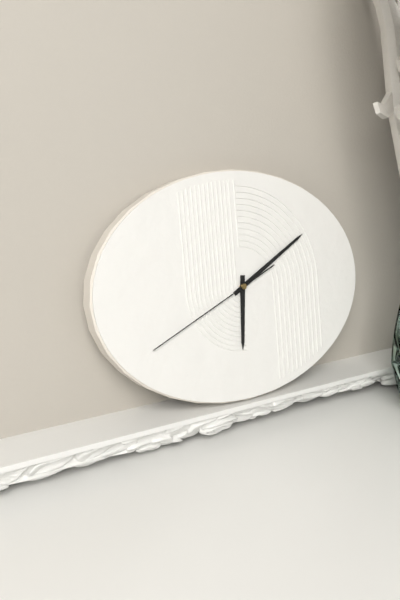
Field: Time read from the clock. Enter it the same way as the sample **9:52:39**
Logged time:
**6:10:41**
